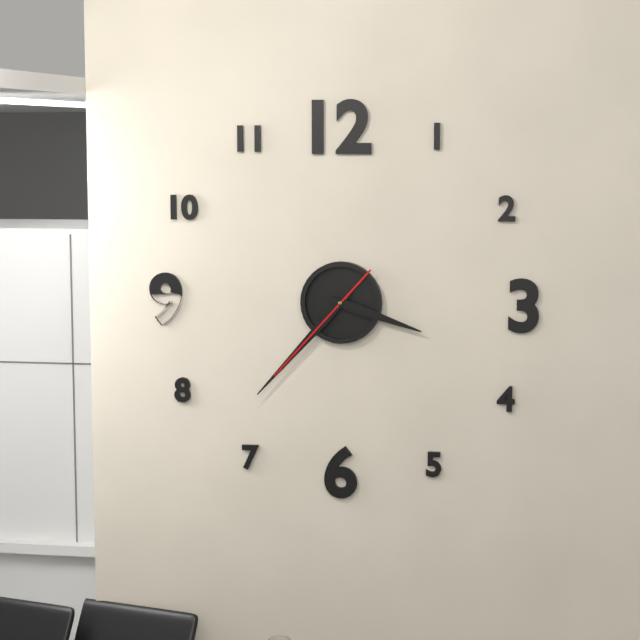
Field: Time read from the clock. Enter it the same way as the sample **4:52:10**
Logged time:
**3:37:37**
